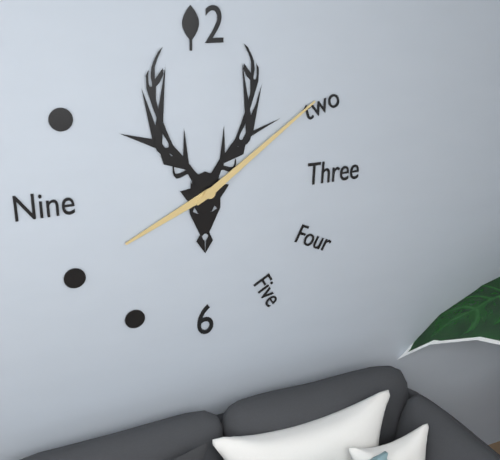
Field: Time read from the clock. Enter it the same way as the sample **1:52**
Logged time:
**8:09**
